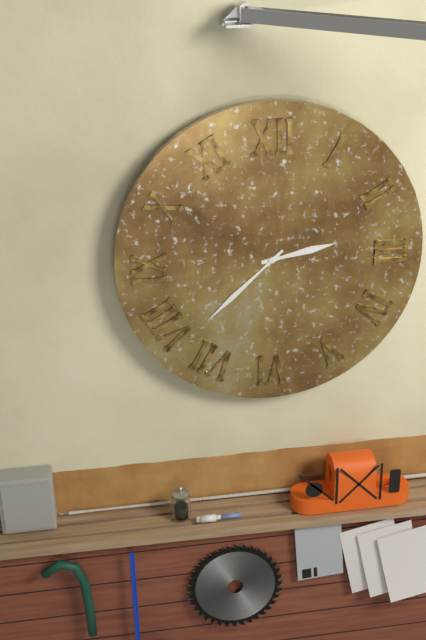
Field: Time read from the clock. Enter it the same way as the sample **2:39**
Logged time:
**2:38**
